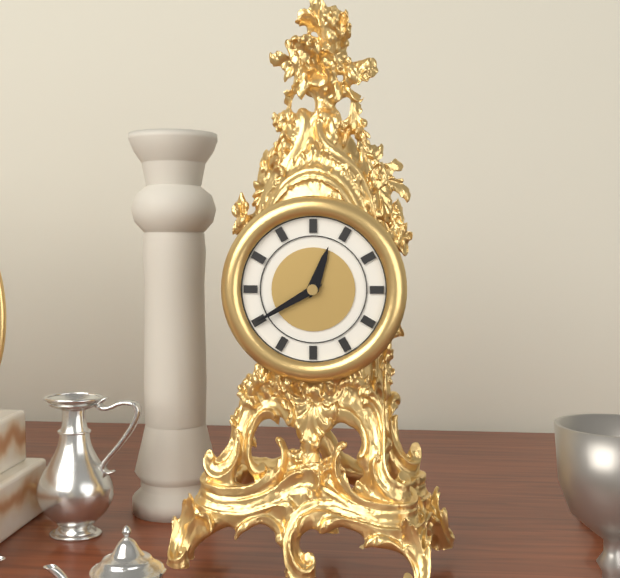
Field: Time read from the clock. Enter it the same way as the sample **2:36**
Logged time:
**12:40**
